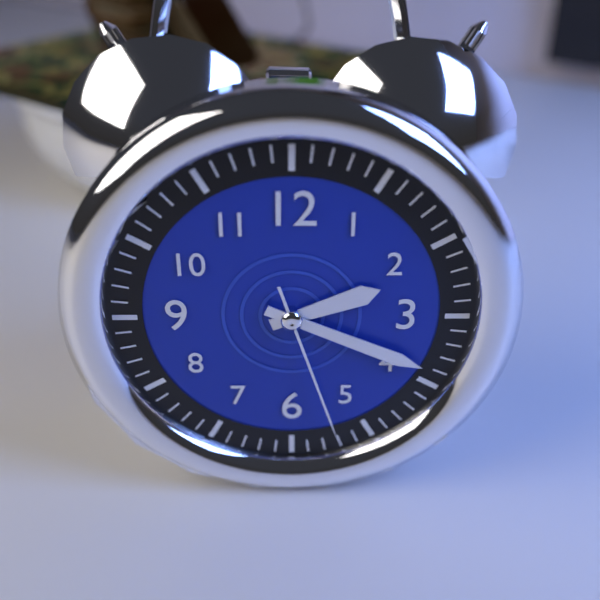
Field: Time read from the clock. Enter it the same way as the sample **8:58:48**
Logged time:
**2:19:27**
